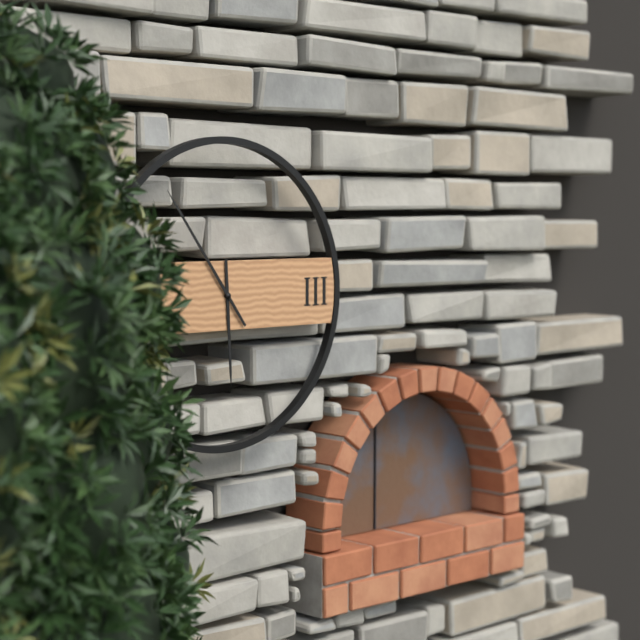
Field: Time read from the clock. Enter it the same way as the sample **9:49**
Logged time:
**5:54**
